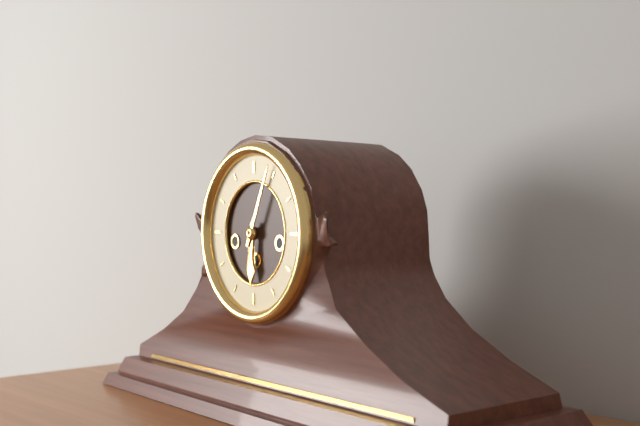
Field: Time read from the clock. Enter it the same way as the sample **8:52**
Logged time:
**6:04**
